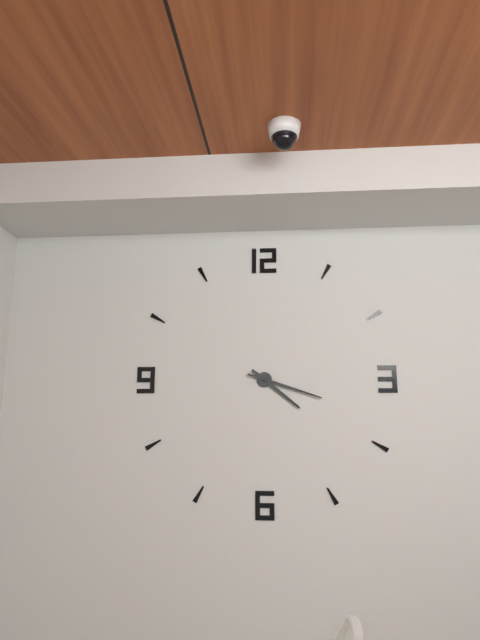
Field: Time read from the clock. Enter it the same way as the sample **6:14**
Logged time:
**4:18**
